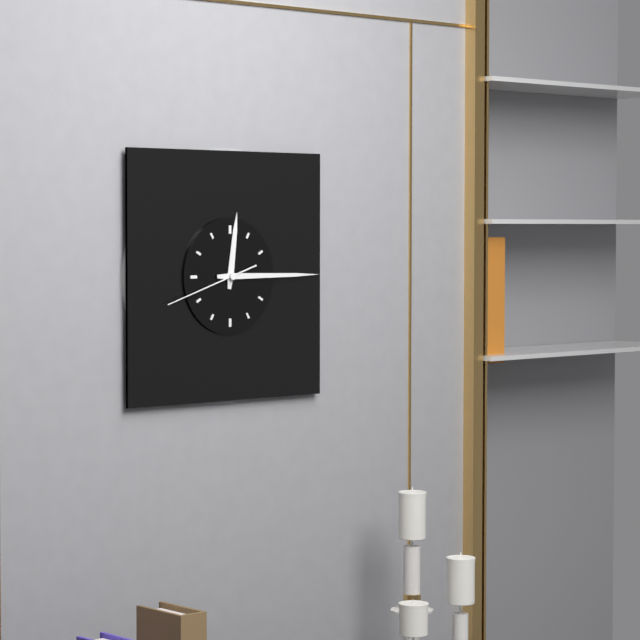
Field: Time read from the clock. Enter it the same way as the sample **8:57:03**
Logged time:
**12:15:42**
